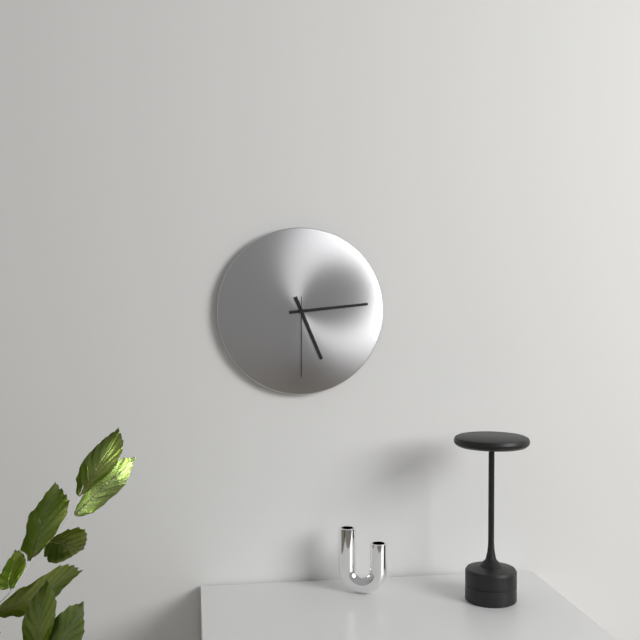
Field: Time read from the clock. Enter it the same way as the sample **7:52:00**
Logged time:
**5:14:30**
